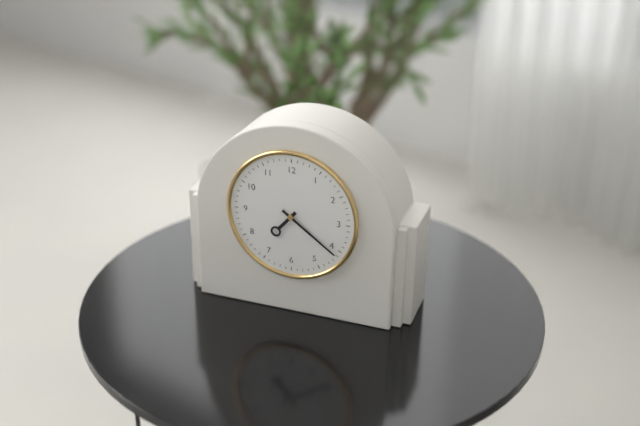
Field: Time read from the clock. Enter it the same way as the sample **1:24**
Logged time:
**7:21**
